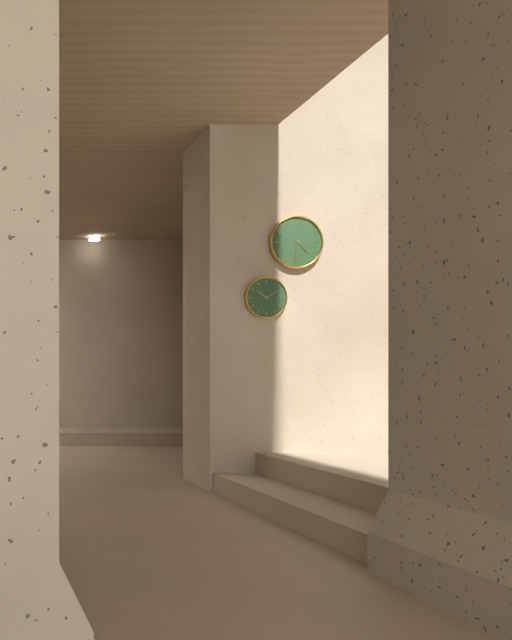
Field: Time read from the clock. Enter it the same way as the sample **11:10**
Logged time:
**4:31**
